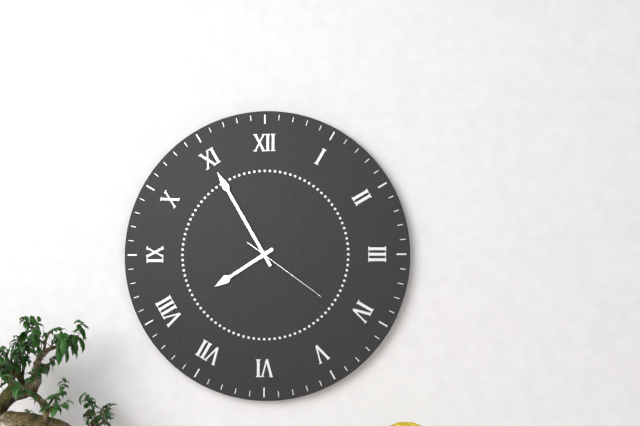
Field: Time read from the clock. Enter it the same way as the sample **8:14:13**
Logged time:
**7:55:21**
